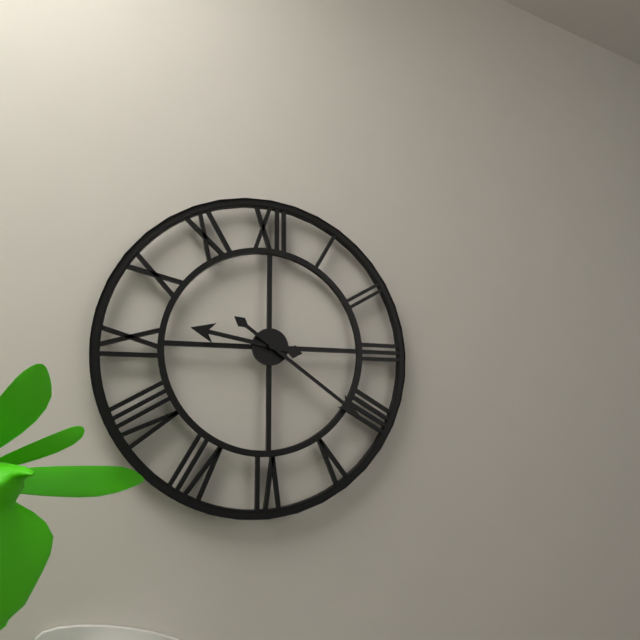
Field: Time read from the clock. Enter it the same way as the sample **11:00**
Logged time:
**9:21**
